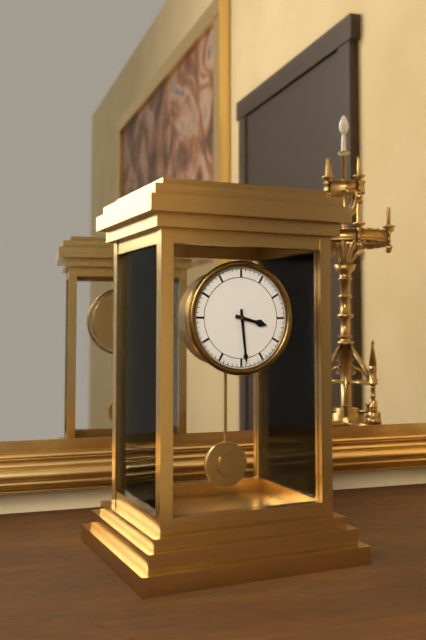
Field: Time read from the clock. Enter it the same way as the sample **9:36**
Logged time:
**3:29**
